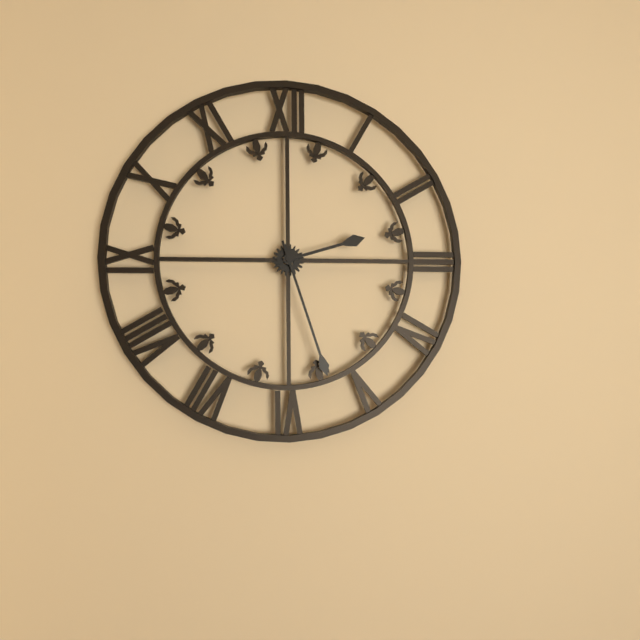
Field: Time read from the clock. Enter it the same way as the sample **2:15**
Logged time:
**2:27**
